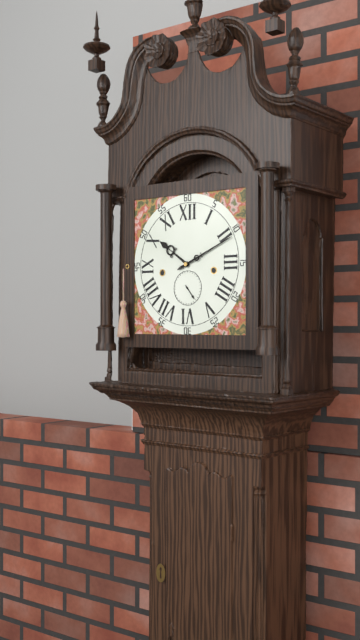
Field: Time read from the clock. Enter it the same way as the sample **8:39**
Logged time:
**10:11**
